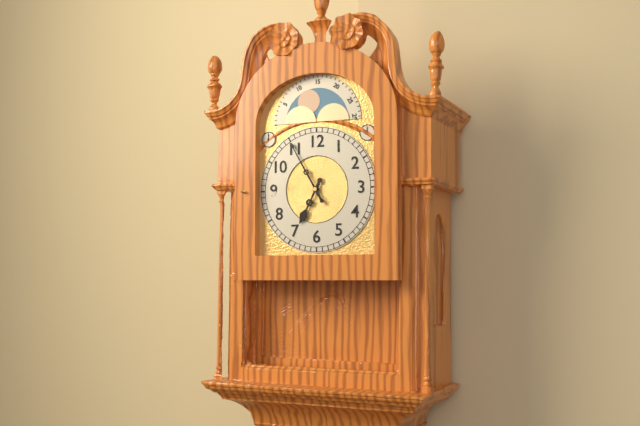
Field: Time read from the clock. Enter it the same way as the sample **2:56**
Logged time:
**6:55**
